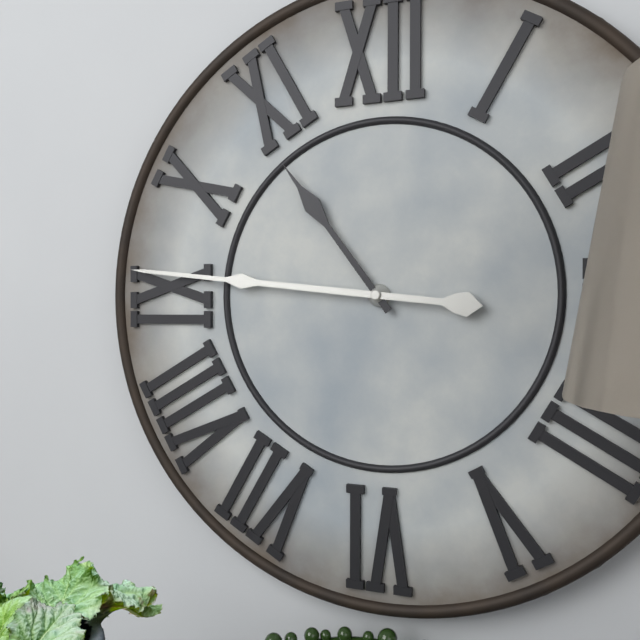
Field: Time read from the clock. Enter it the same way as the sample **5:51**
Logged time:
**10:46**
